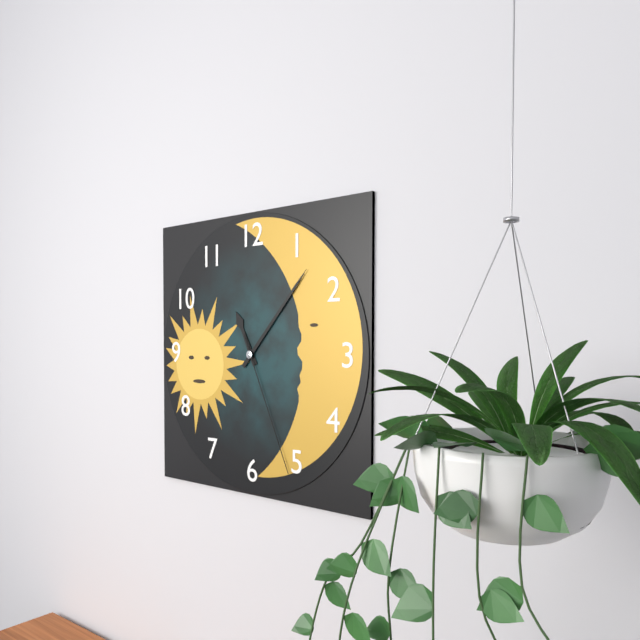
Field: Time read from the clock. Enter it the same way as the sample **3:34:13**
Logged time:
**11:07:26**
